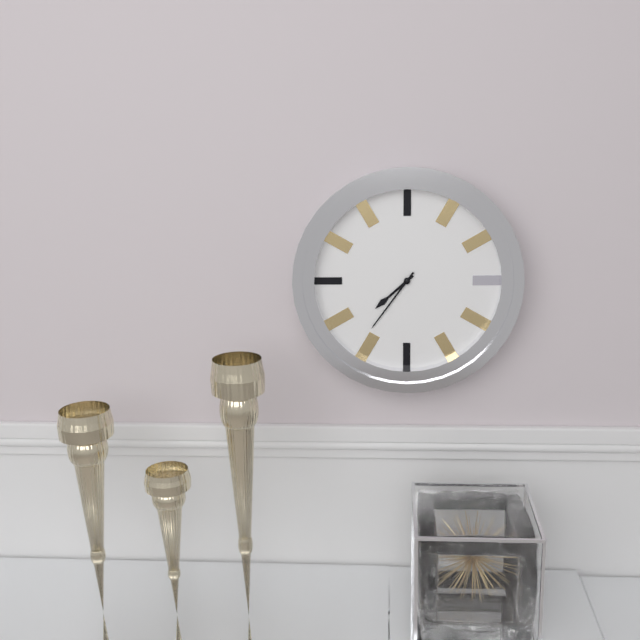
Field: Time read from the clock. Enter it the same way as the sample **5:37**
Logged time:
**7:36**
